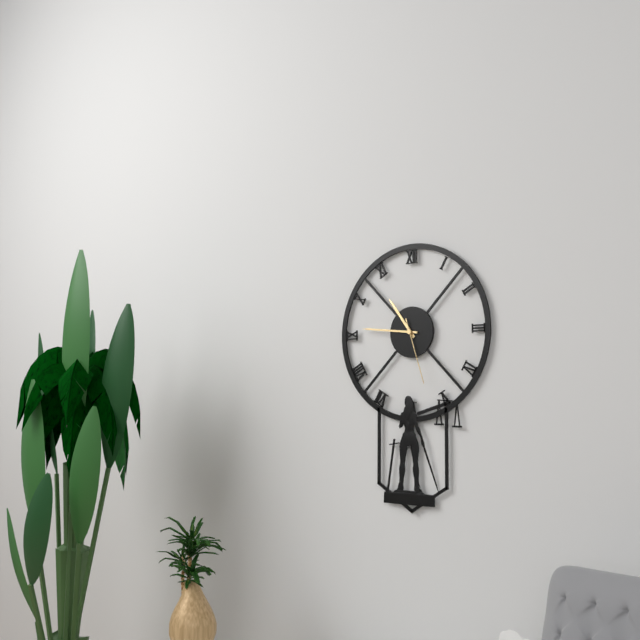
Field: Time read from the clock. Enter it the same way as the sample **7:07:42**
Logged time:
**10:46:27**
